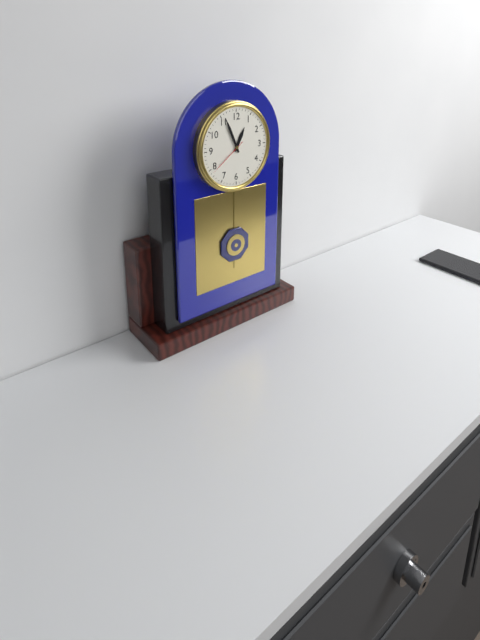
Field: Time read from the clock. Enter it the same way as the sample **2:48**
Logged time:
**12:56**
